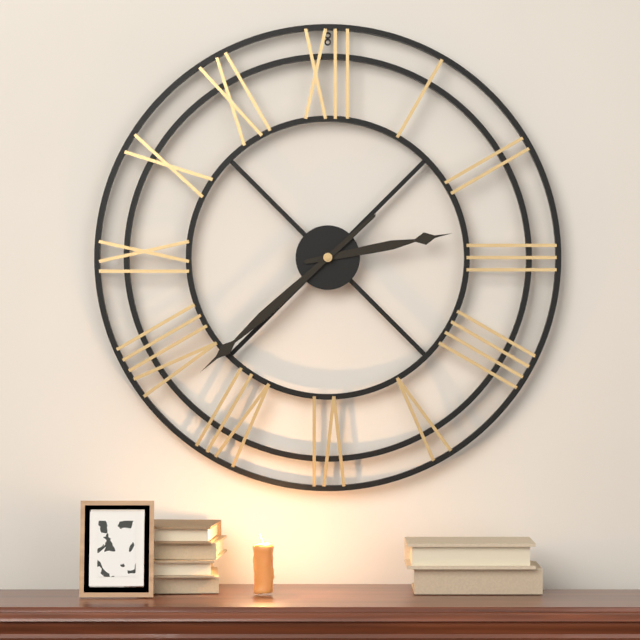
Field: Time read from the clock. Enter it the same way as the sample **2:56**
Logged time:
**2:38**
